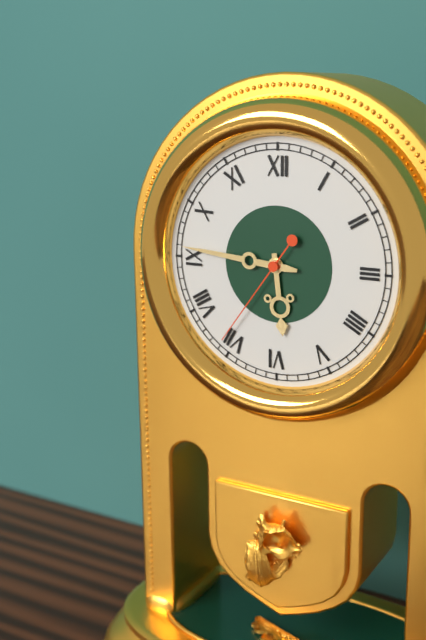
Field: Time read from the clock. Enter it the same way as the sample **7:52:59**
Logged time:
**5:46:36**
